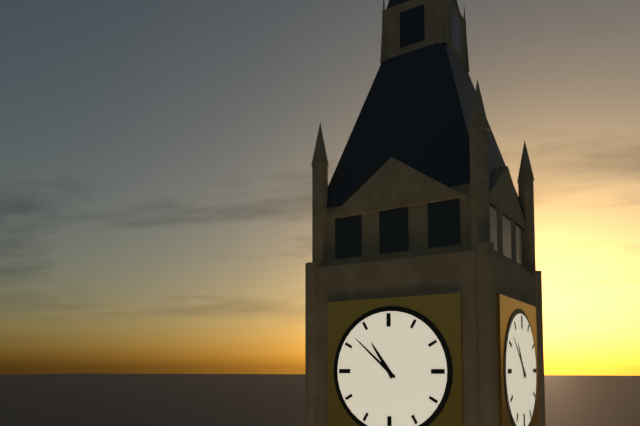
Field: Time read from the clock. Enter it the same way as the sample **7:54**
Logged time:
**10:52**
